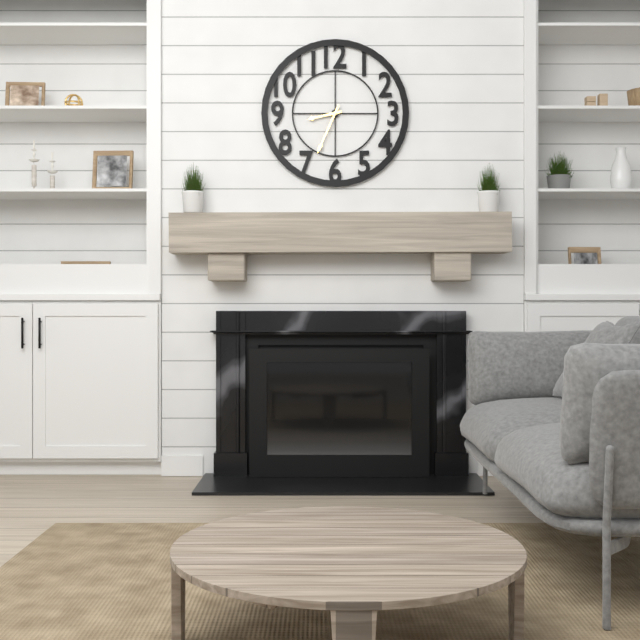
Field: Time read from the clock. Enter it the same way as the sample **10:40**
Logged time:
**8:34**
